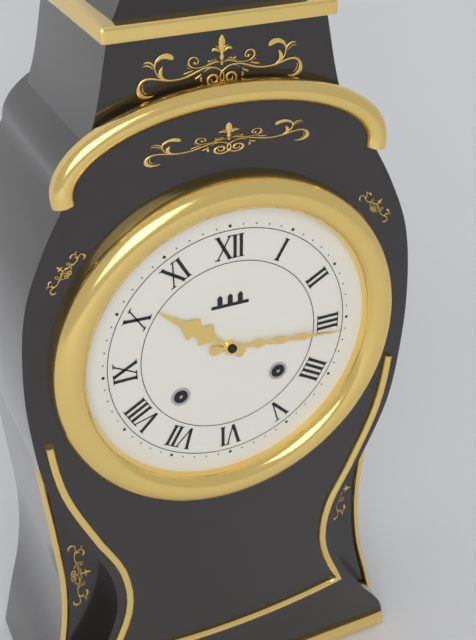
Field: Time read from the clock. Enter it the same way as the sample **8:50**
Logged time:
**10:16**
